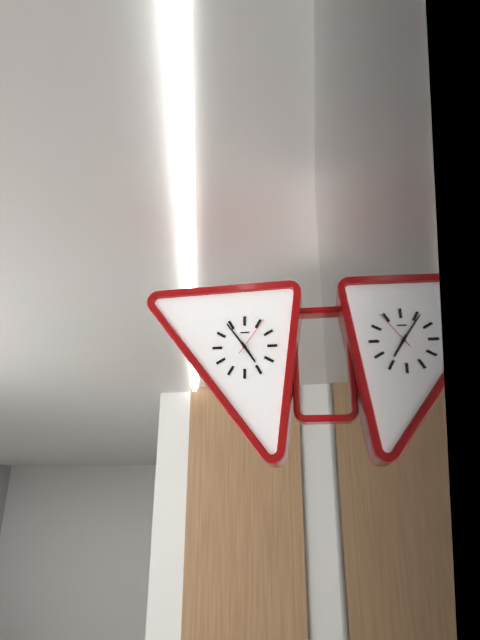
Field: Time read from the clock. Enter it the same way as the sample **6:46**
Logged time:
**4:54**
